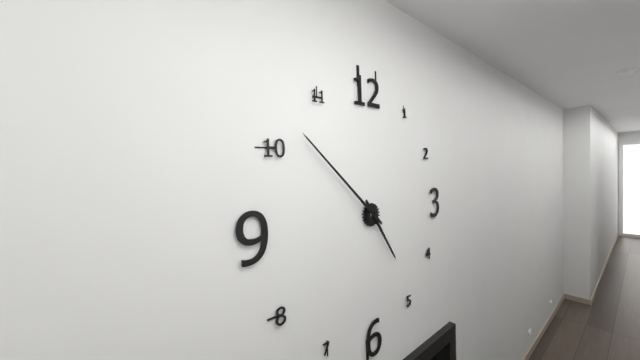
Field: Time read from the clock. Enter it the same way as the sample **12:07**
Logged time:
**4:52**
